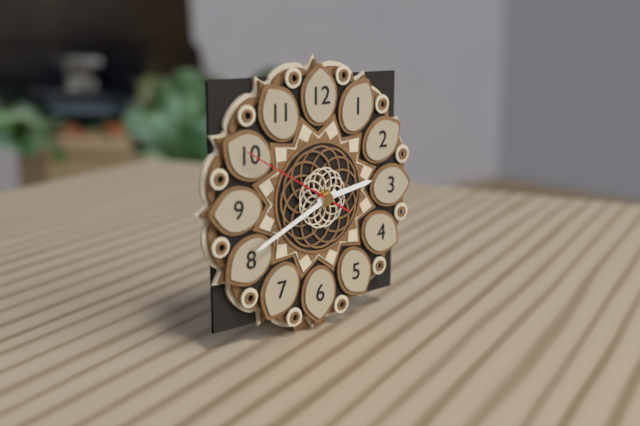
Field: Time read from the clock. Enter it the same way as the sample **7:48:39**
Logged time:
**2:41:50**
